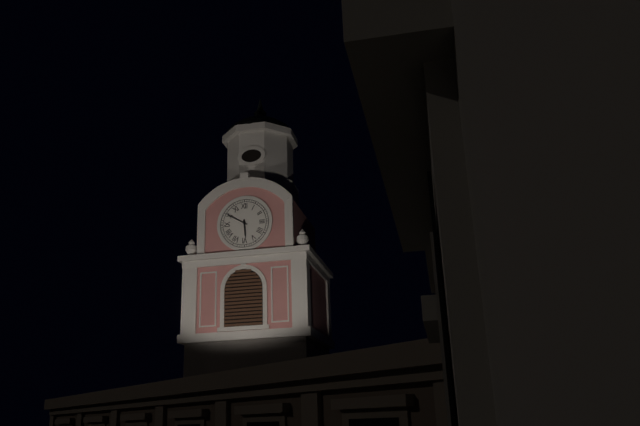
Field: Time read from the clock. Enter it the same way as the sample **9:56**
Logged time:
**5:50**
